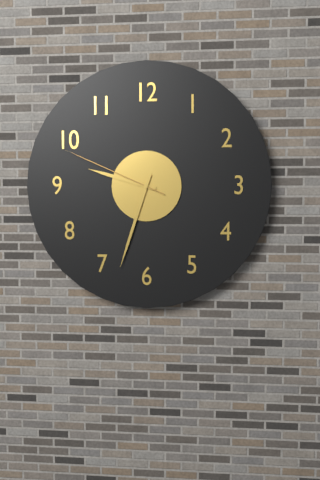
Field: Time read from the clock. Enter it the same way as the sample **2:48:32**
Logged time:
**9:33:49**
